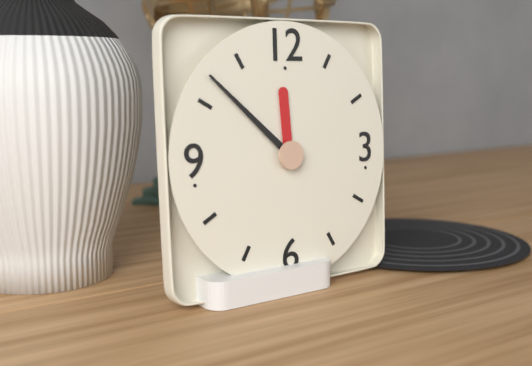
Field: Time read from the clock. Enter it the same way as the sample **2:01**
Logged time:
**11:52**
